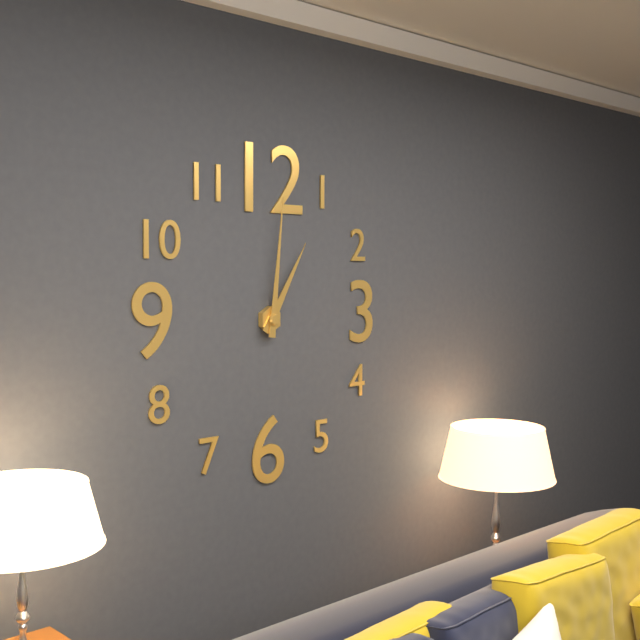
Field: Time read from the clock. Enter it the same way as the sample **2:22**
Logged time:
**1:01**
